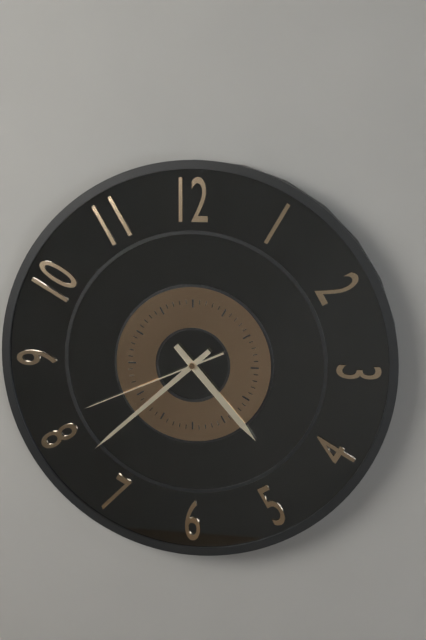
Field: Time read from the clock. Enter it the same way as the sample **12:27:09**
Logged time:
**4:38:41**
